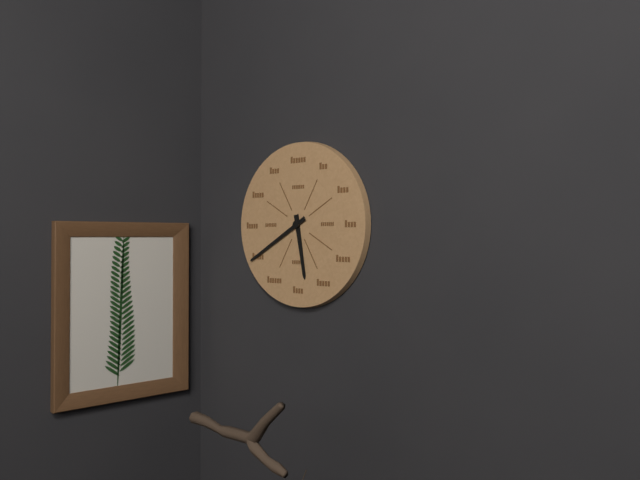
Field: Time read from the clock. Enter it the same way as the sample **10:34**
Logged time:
**5:40**
